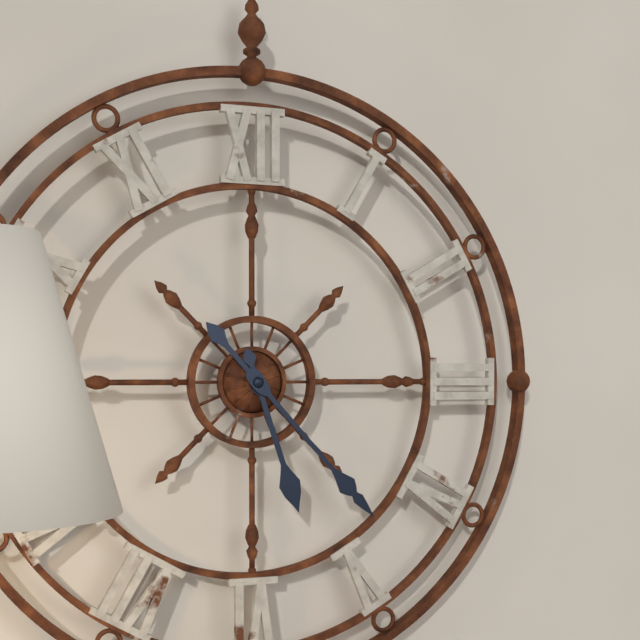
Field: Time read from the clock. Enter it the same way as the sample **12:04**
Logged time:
**5:23**
